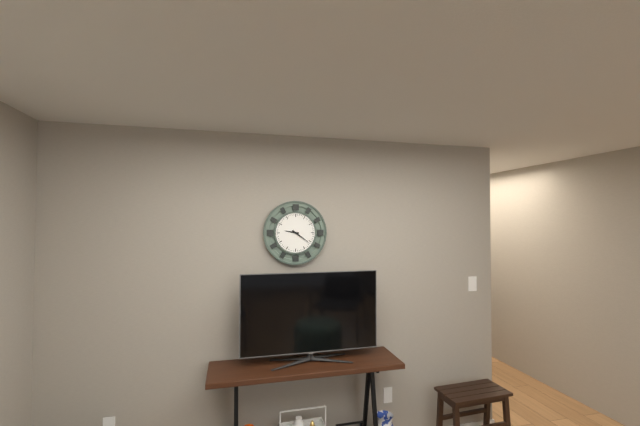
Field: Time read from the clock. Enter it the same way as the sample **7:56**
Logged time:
**9:21**
